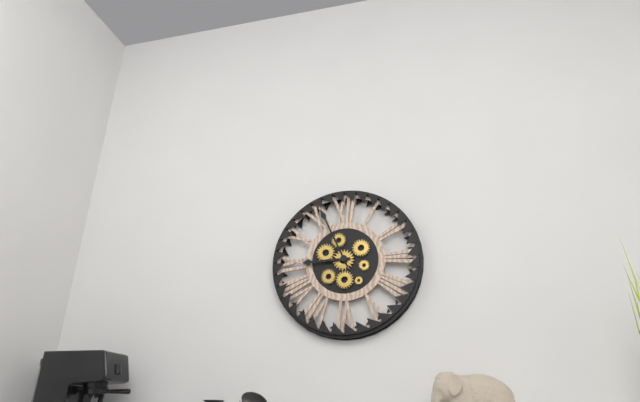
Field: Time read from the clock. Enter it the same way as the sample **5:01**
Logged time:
**8:56**
